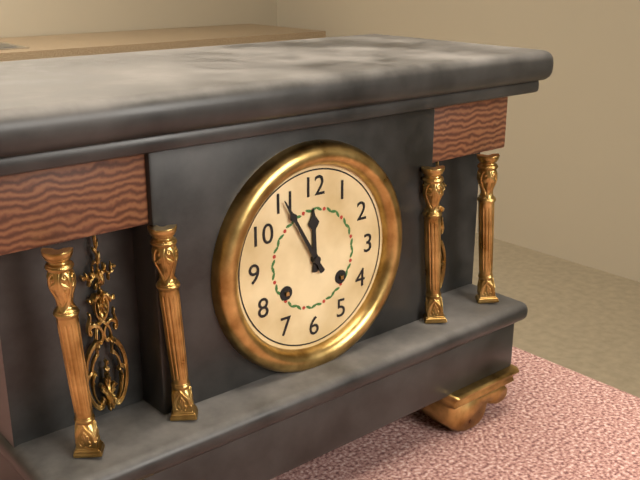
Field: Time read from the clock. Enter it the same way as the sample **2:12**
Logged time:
**11:55**
